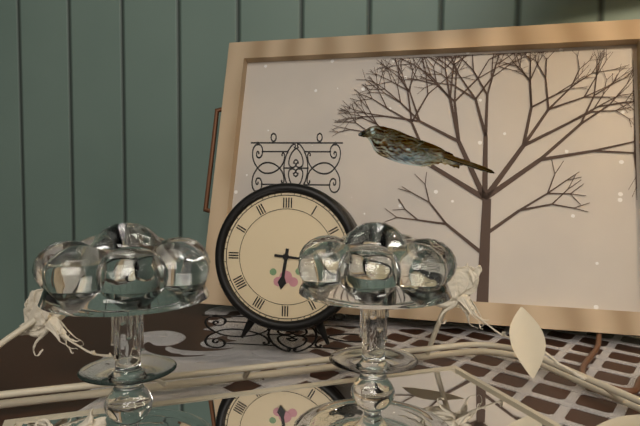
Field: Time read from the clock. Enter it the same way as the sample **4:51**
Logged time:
**6:16**
